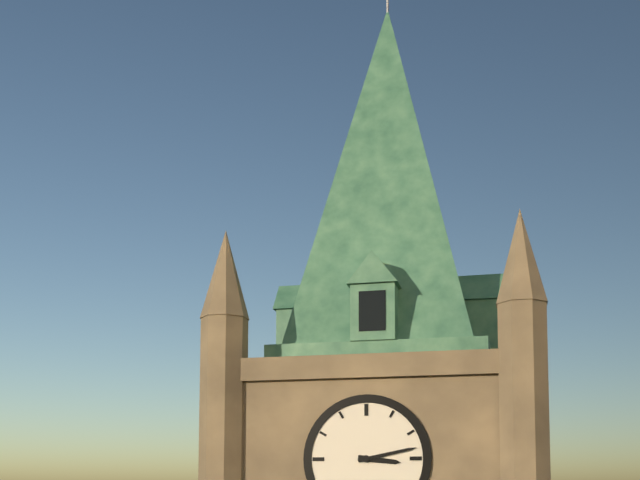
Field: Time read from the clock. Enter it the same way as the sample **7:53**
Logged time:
**3:13**
